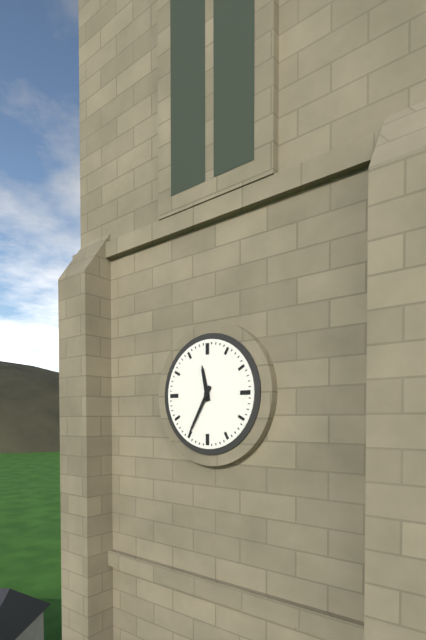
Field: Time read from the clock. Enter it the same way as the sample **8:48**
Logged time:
**11:35**
